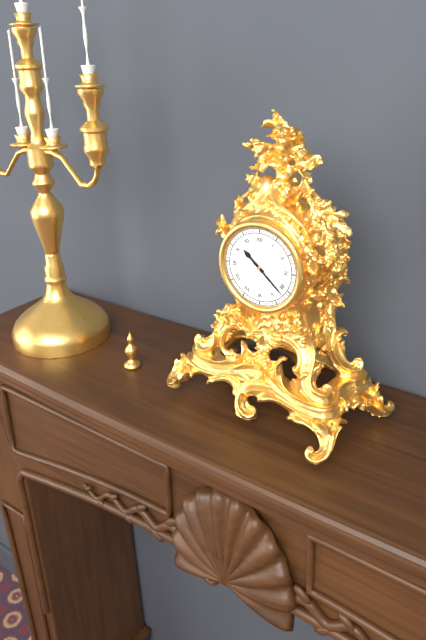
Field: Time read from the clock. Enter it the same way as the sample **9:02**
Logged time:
**10:22**
